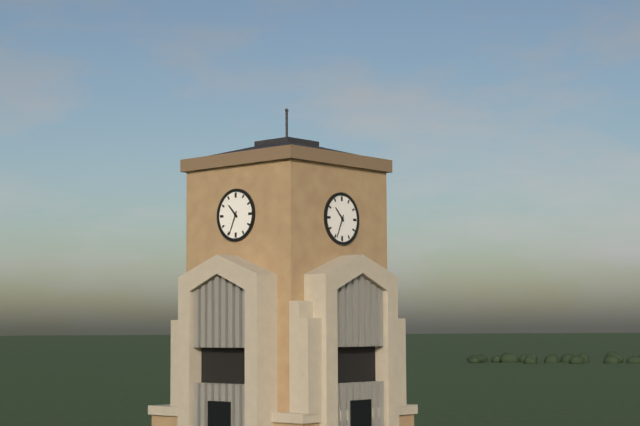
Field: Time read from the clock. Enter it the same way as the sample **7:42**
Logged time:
**10:34**
